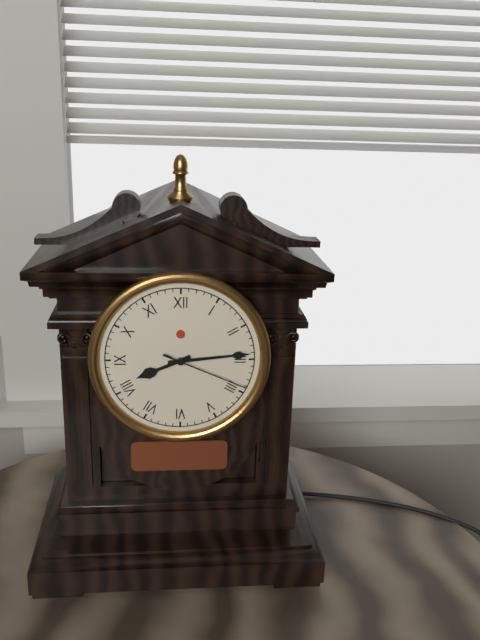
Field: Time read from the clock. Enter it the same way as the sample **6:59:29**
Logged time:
**8:14:19**
